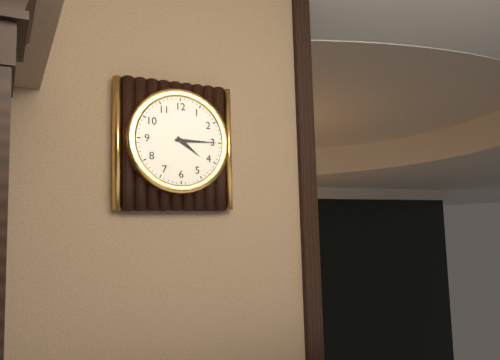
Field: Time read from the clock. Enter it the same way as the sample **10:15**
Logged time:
**4:15**
